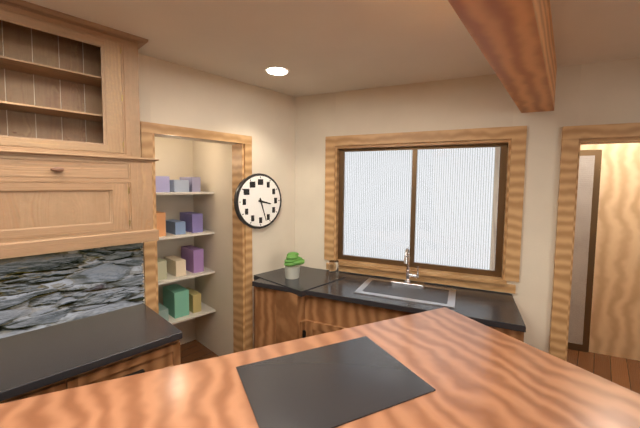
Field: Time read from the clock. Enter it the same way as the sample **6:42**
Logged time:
**3:27**
